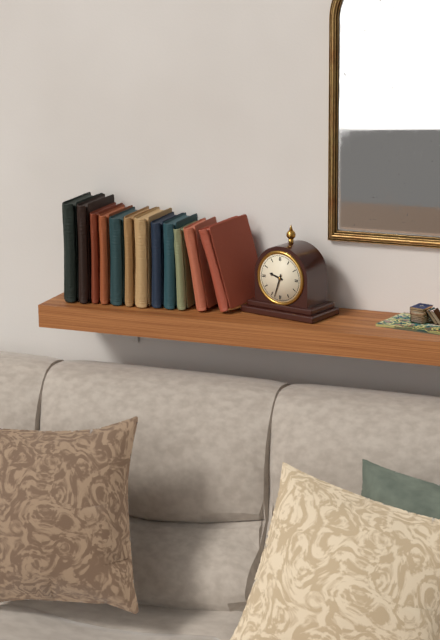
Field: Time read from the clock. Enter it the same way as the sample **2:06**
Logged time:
**9:33**
